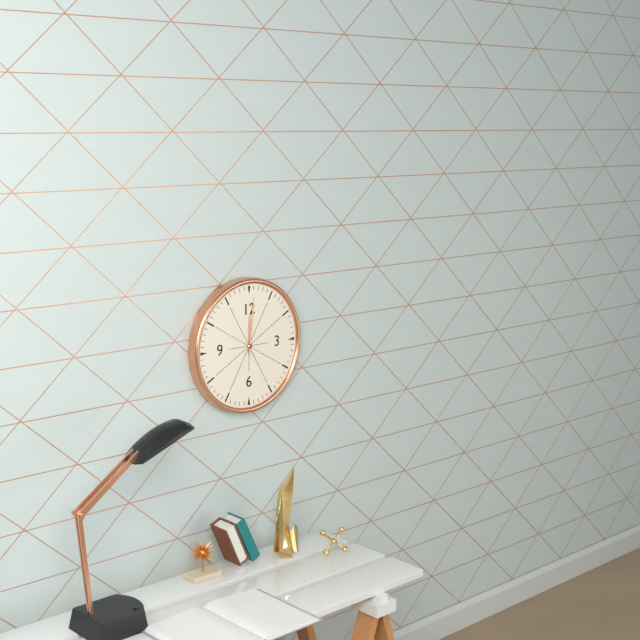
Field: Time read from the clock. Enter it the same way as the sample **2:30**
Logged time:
**12:01**
